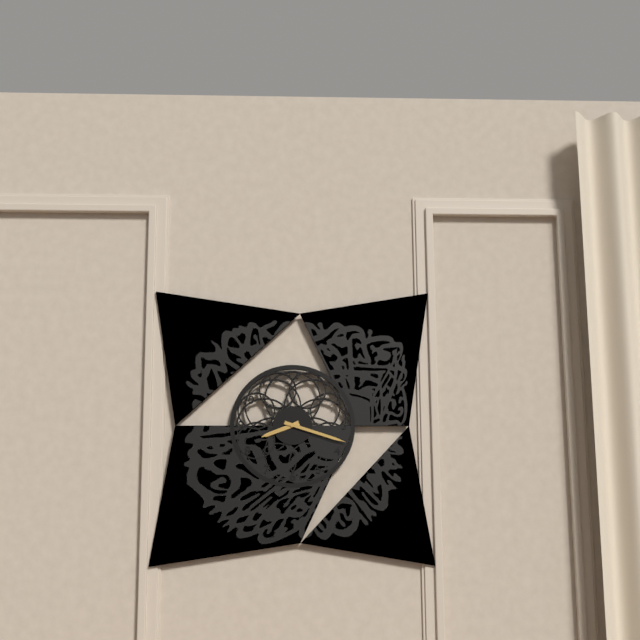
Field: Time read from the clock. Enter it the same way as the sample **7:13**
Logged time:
**8:18**
